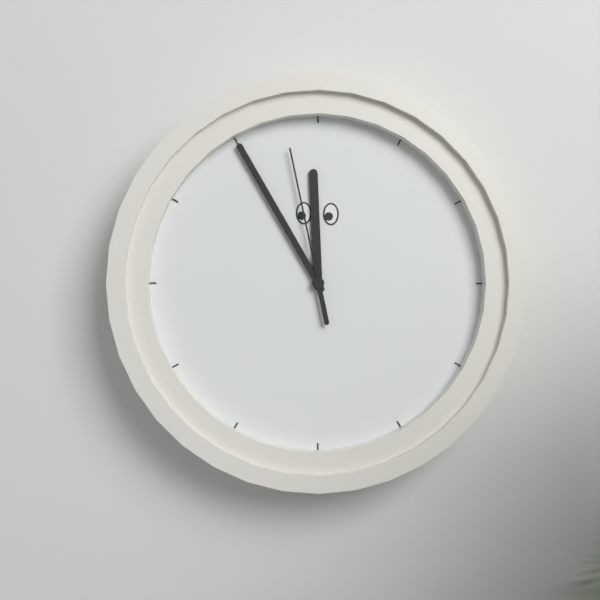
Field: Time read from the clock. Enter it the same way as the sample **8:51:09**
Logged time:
**11:55:58**
